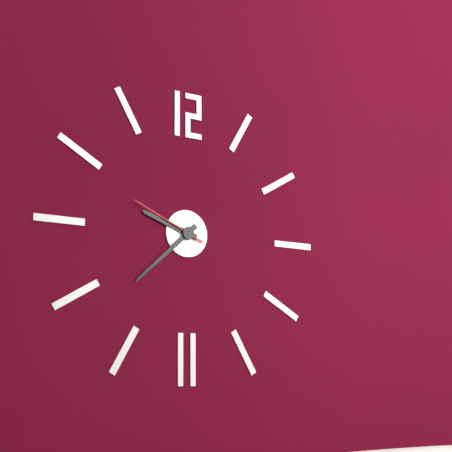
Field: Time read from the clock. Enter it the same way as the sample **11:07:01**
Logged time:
**9:38:49**
